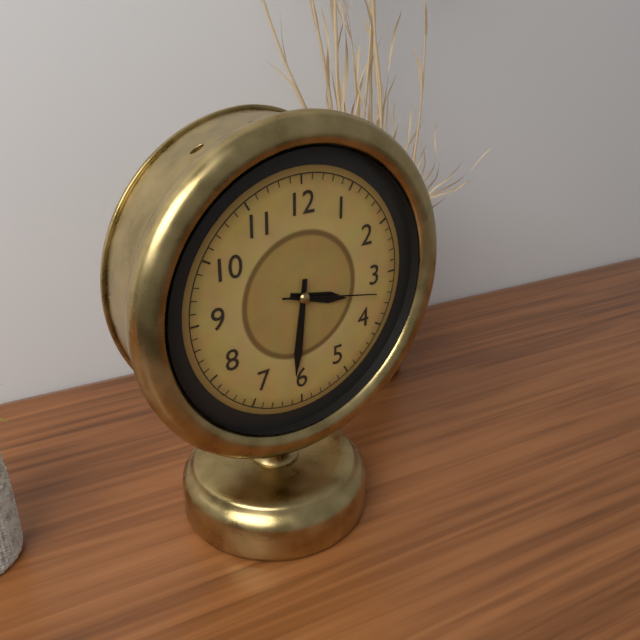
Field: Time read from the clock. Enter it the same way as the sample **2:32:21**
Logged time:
**3:31:17**
